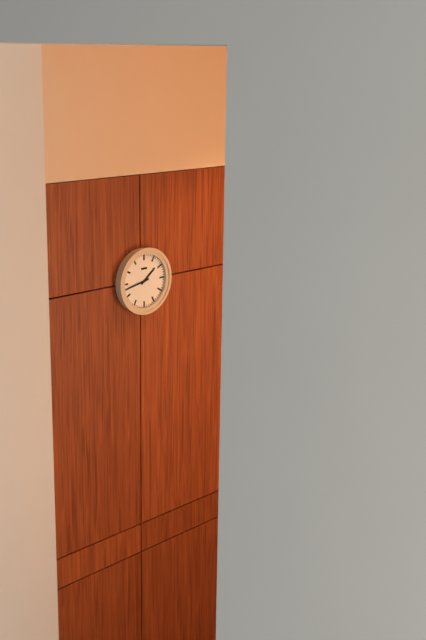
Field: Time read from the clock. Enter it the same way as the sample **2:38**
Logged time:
**1:43**
